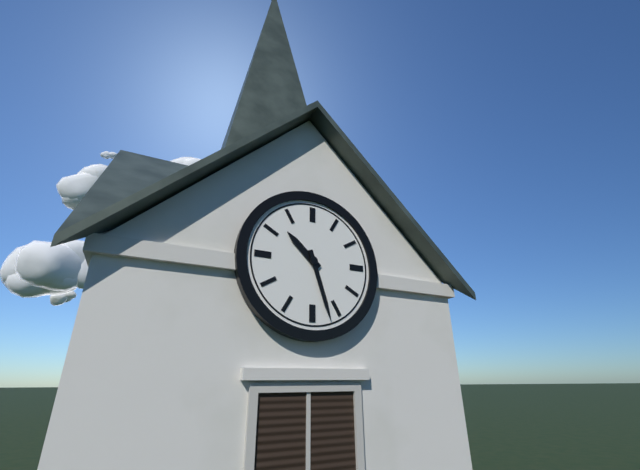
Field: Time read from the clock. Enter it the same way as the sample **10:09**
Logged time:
**10:27**
